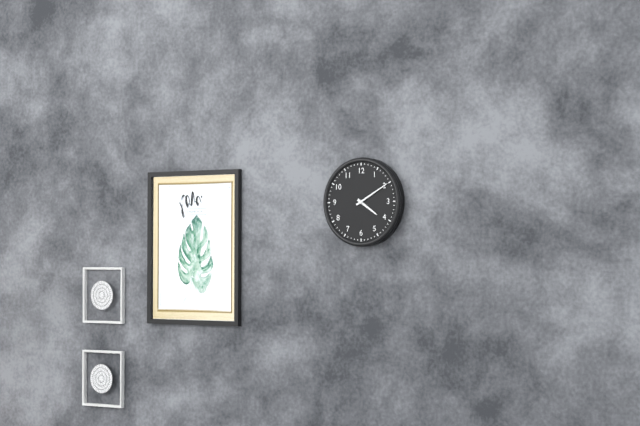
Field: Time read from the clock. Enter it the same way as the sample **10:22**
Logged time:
**4:10**
